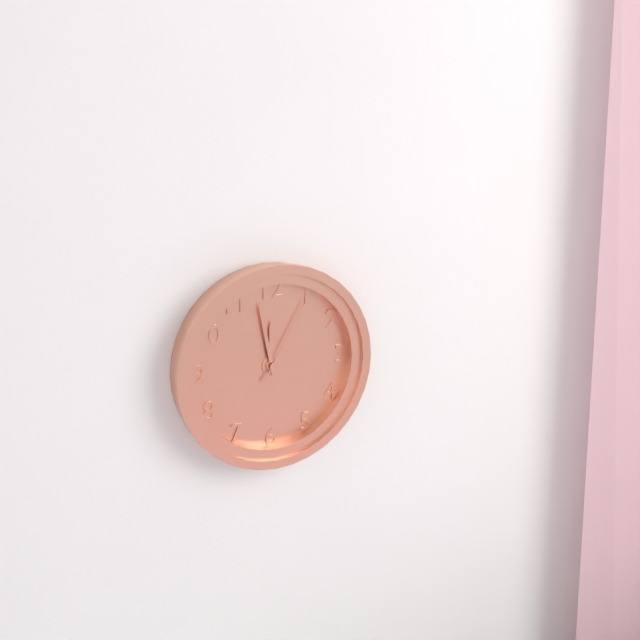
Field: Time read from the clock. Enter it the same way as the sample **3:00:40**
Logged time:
**11:58:05**
